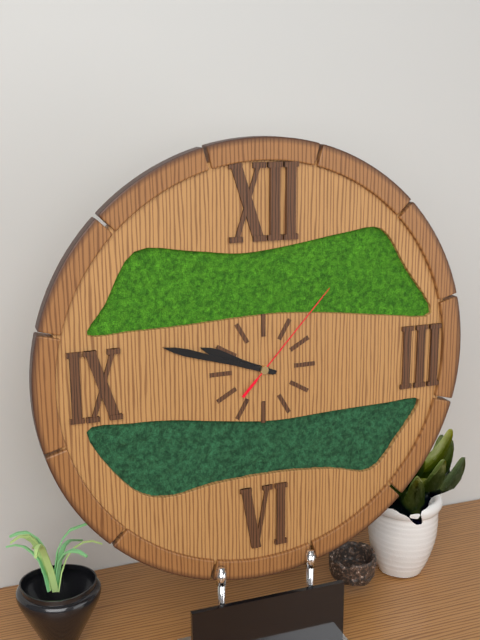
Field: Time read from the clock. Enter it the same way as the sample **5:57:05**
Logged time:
**9:48:07**
